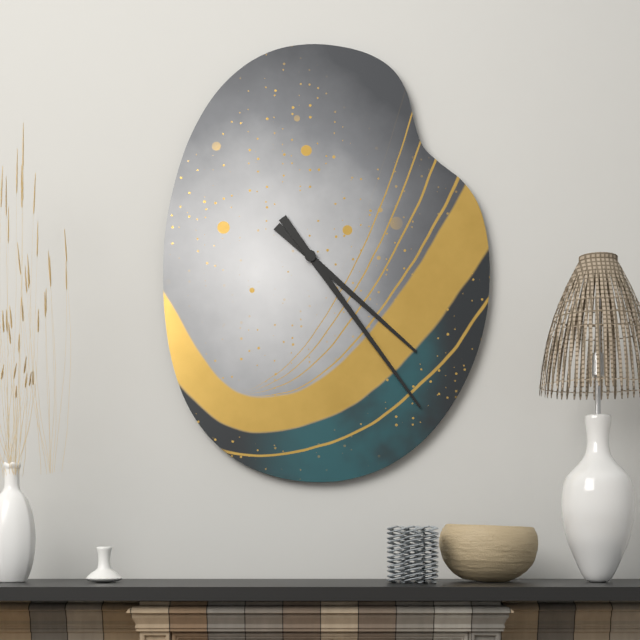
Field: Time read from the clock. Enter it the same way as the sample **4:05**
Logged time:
**4:24**
